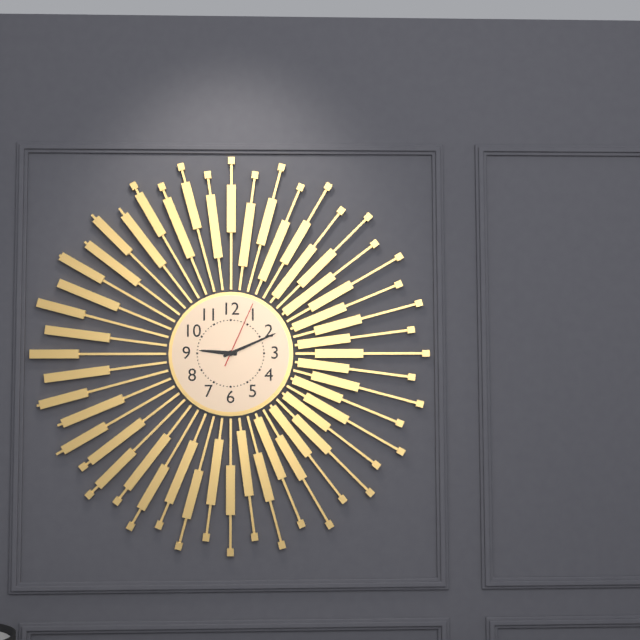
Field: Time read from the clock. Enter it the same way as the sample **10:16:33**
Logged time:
**9:11:04**
